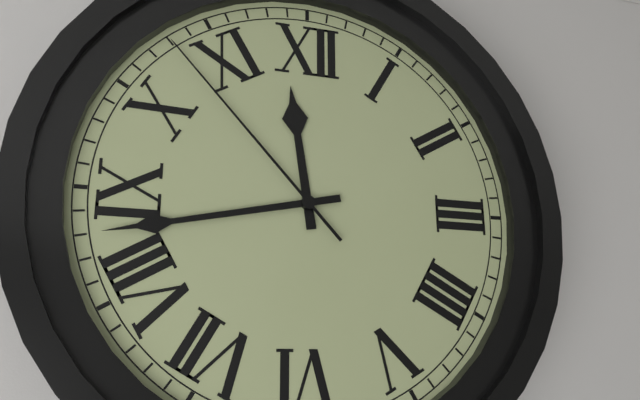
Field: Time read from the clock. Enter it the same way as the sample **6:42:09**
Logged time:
**11:43:53**
